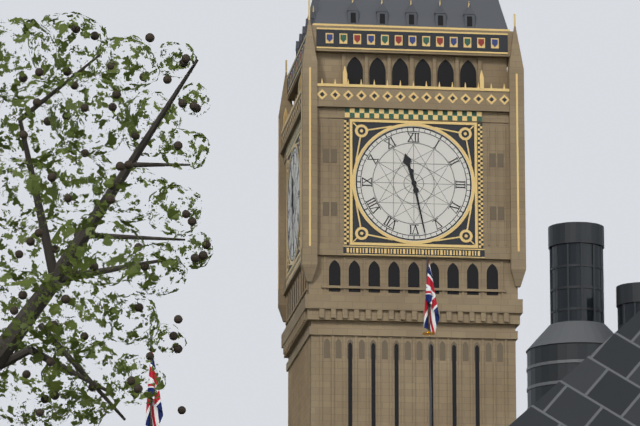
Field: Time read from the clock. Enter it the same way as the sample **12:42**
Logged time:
**11:28**
